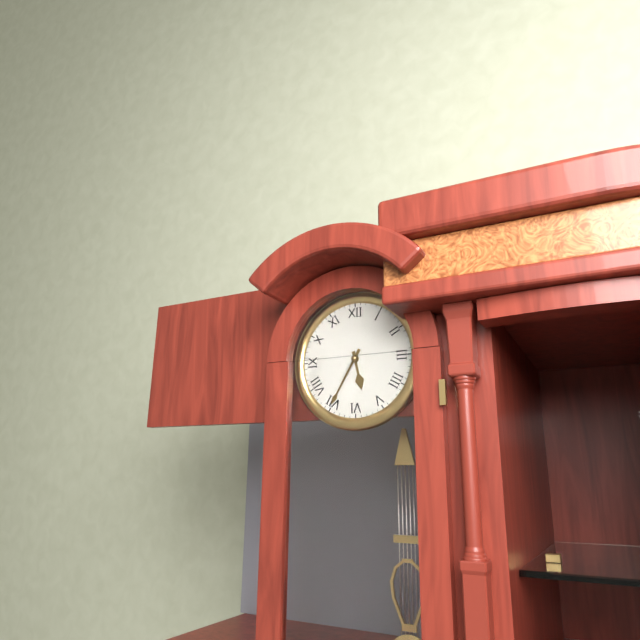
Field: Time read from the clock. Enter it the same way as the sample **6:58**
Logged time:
**5:35**
